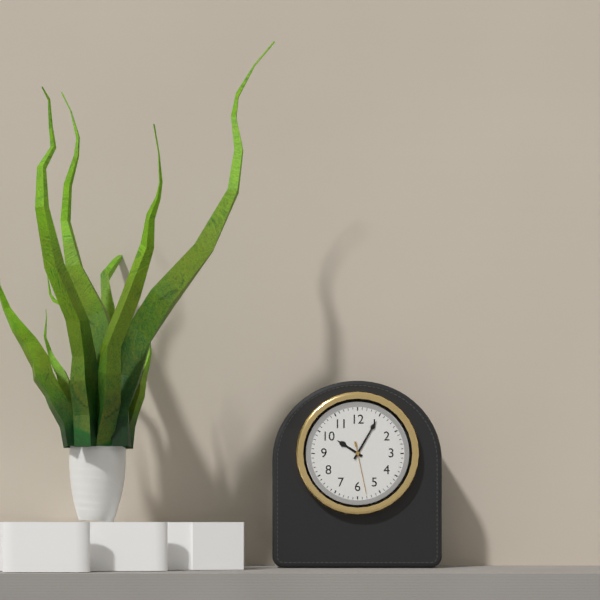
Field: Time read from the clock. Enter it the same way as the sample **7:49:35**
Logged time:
**10:05:28**
